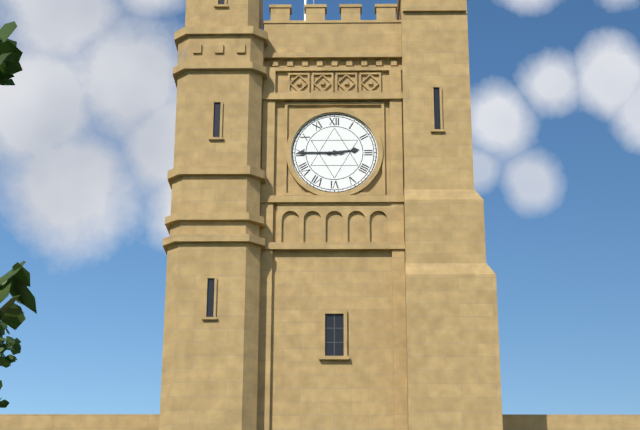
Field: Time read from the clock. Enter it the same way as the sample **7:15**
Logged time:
**2:45**
